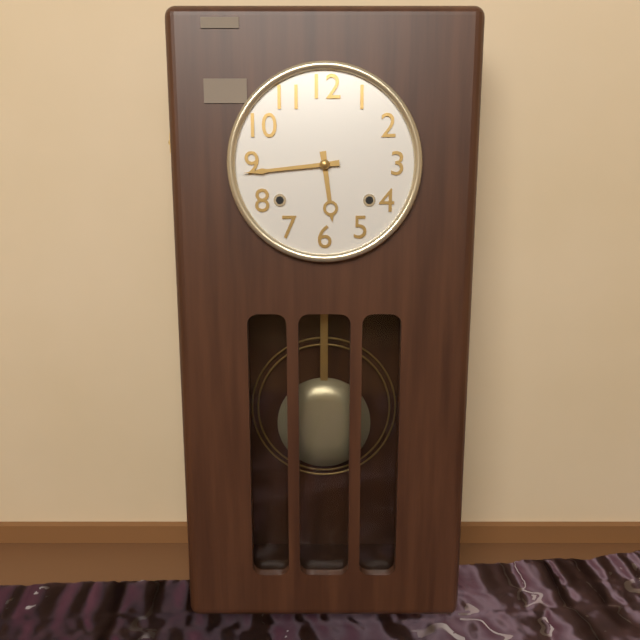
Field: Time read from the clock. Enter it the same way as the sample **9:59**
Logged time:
**5:44**
